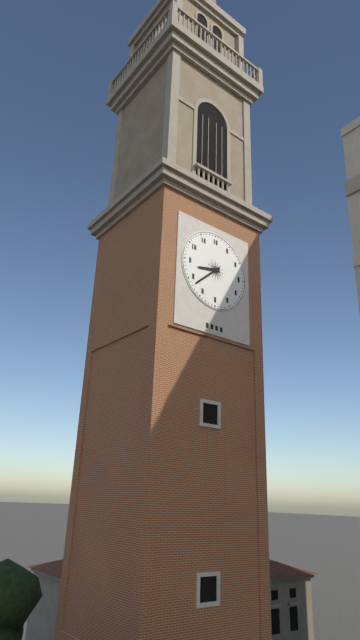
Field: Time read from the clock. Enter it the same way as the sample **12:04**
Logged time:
**8:38**
